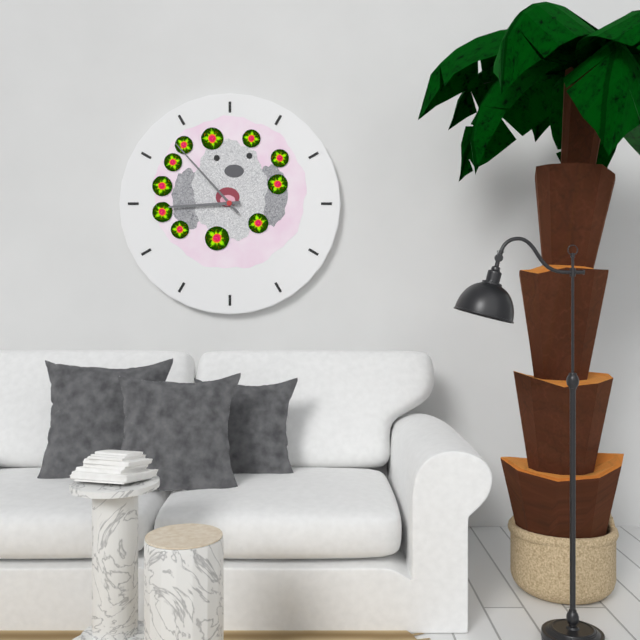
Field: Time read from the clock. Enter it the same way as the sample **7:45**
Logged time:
**8:53**
